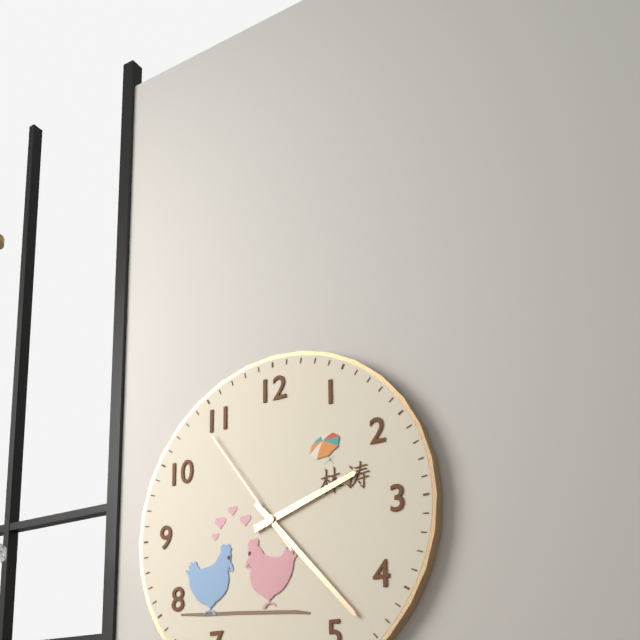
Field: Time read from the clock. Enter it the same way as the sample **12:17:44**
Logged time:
**2:23:54**
